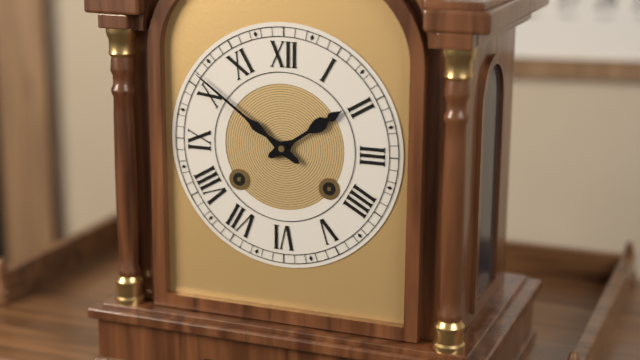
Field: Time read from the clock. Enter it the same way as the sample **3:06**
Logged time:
**1:51**
